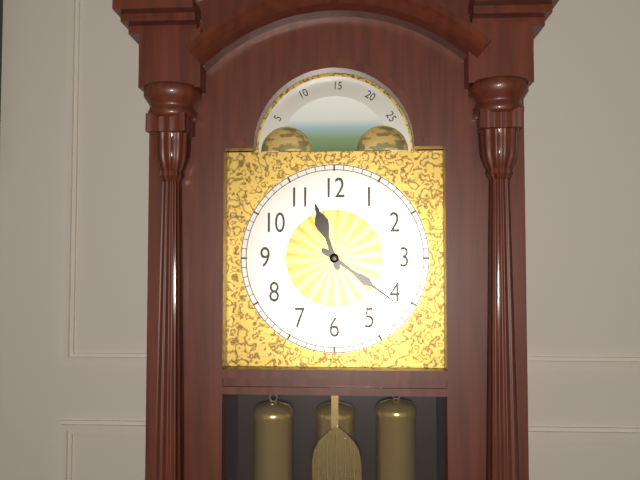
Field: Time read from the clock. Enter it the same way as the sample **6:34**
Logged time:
**11:21**
